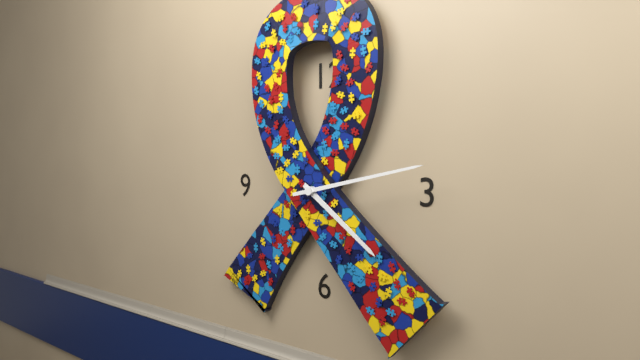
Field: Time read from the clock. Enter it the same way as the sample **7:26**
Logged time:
**4:13**
